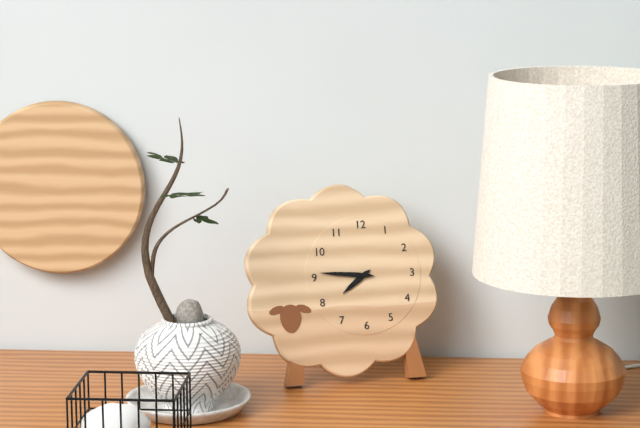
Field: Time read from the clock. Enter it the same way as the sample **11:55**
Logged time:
**7:46**
